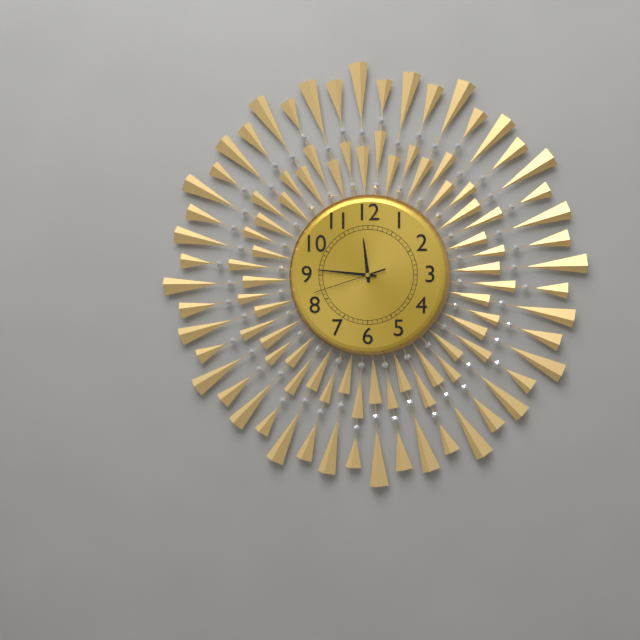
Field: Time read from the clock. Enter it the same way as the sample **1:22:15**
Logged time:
**11:46:42**
